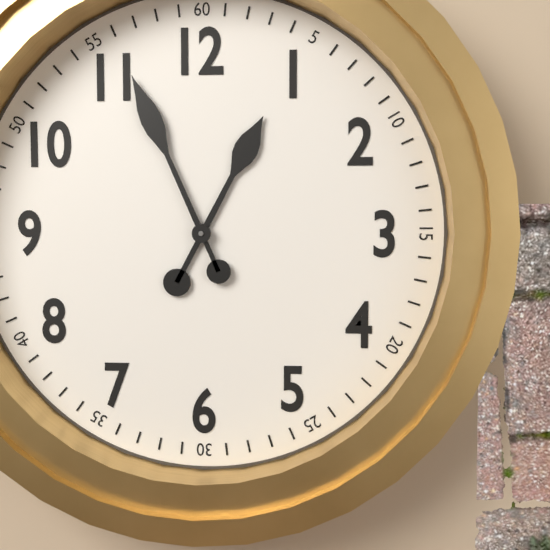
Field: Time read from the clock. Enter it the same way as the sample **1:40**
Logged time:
**12:56**
